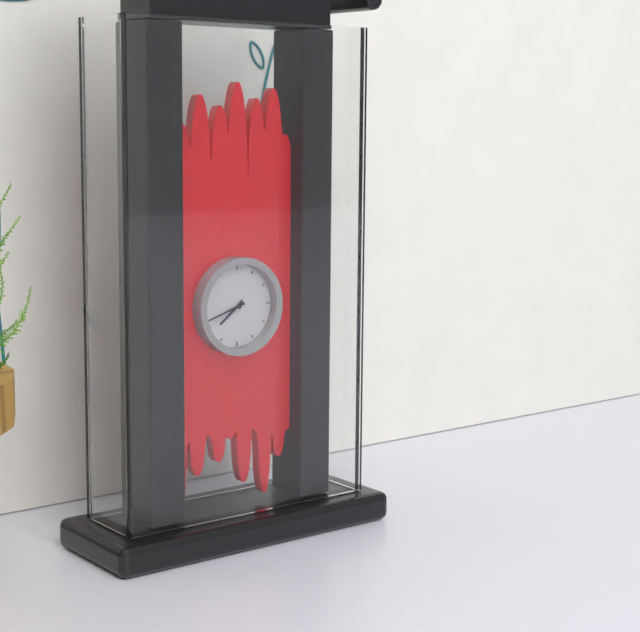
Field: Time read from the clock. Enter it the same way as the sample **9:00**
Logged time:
**7:42**
